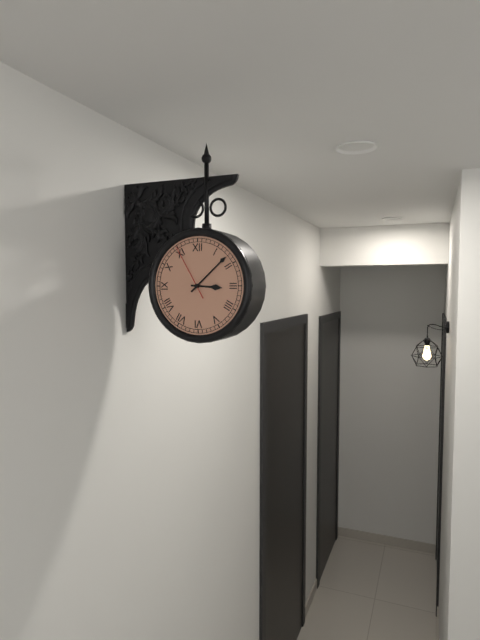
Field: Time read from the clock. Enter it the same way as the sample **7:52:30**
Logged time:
**3:08:55**
